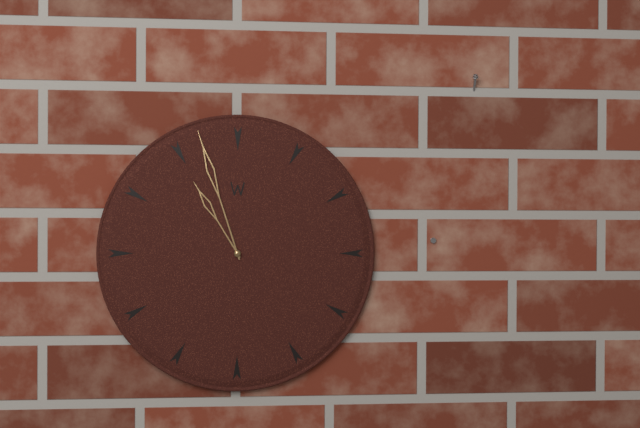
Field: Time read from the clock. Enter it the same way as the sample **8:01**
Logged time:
**10:57**
